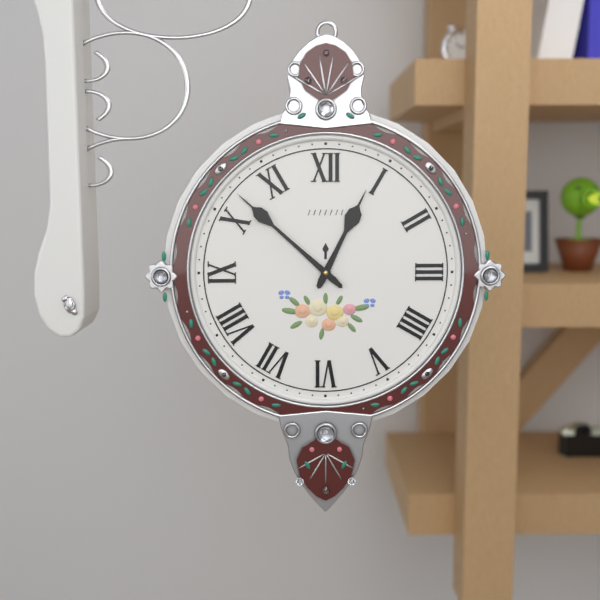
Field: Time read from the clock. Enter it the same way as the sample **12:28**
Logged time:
**12:52**
